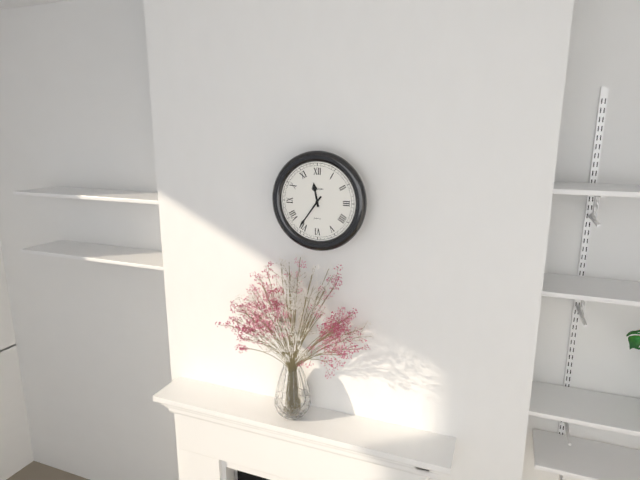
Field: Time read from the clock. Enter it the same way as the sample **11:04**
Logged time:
**11:36**
